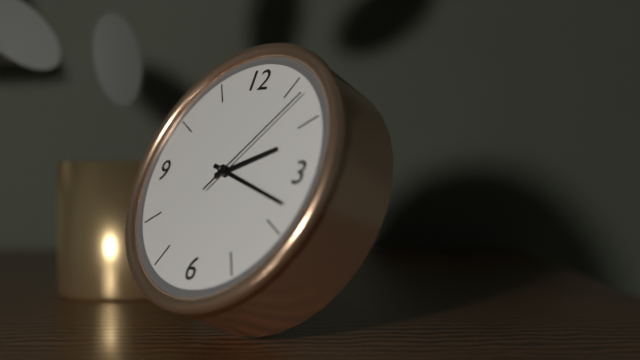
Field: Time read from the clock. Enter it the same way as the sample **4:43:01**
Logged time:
**2:18:07**
